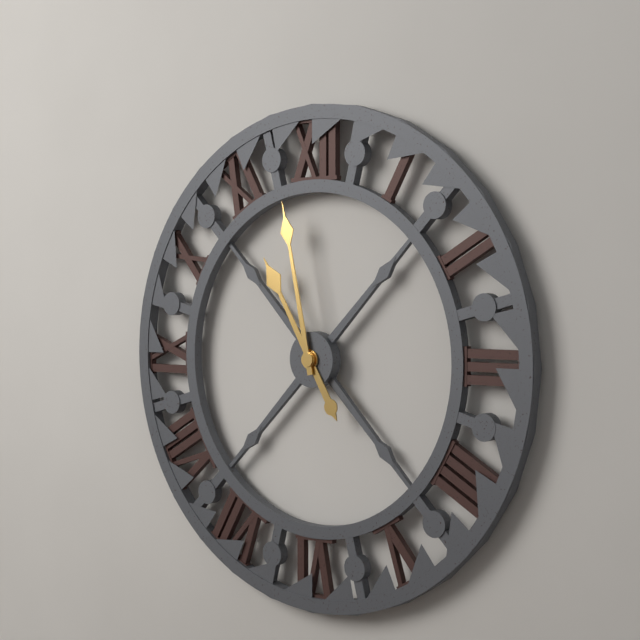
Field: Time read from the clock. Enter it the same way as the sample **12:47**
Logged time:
**10:58**
